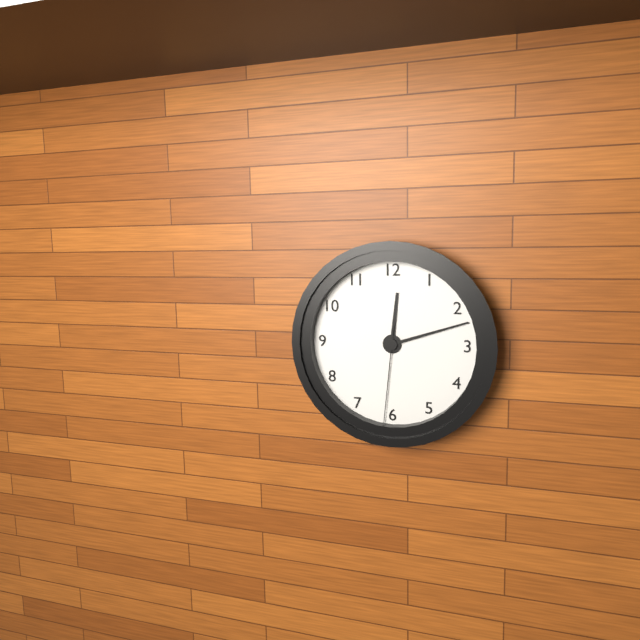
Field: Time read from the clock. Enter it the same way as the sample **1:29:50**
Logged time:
**12:12:31**
